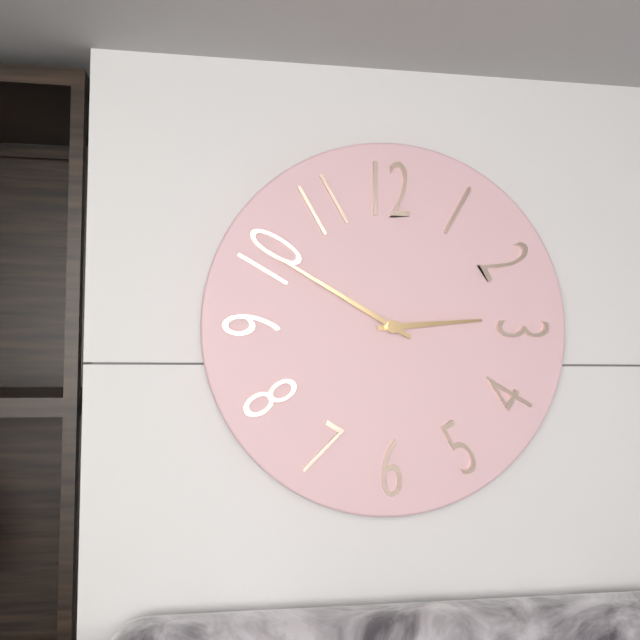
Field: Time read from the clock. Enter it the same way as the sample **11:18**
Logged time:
**2:50**
